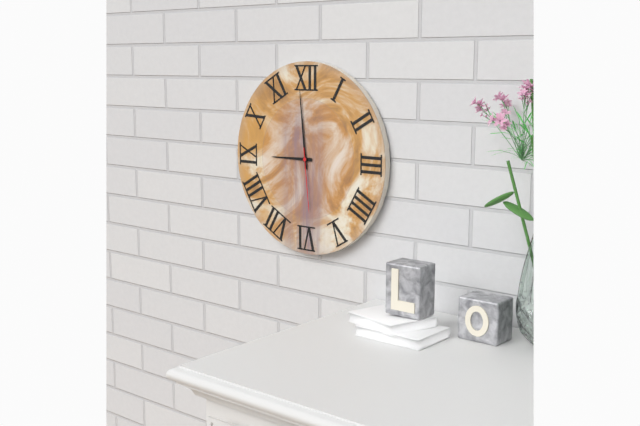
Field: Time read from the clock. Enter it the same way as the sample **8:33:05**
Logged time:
**8:59:29**
